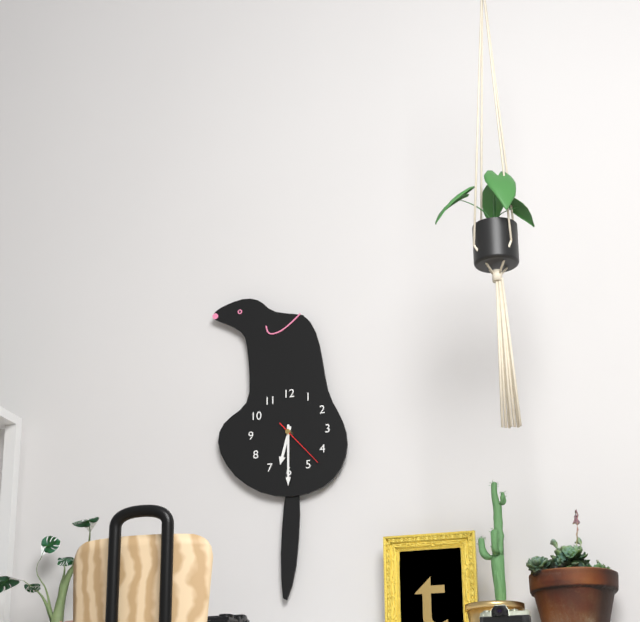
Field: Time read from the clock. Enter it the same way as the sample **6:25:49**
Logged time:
**6:30:23**
